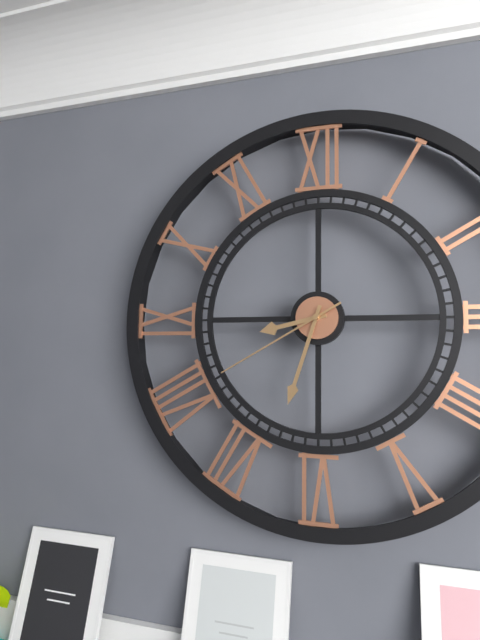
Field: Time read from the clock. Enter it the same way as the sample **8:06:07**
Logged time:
**8:33:40**
